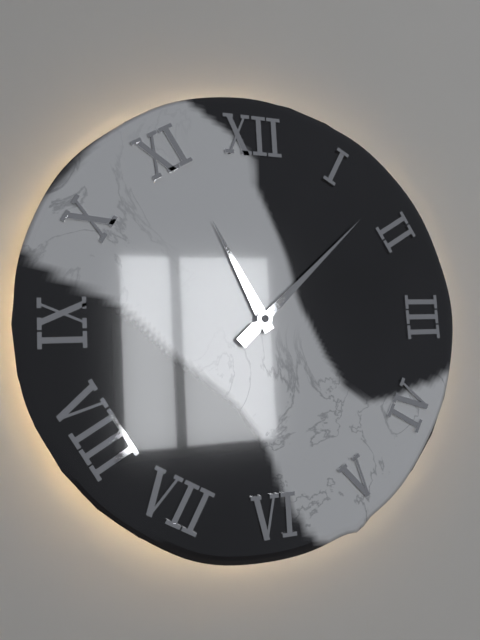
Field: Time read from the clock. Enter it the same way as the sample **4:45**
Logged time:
**11:08**
